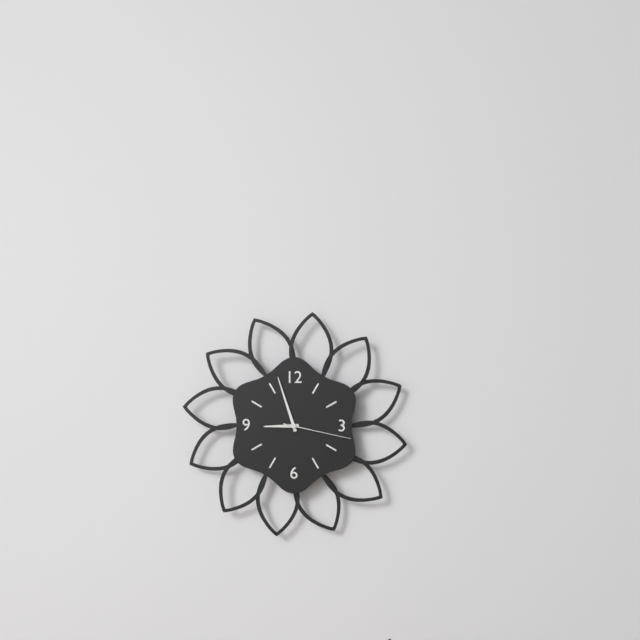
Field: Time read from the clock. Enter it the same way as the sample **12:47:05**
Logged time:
**8:57:17**
